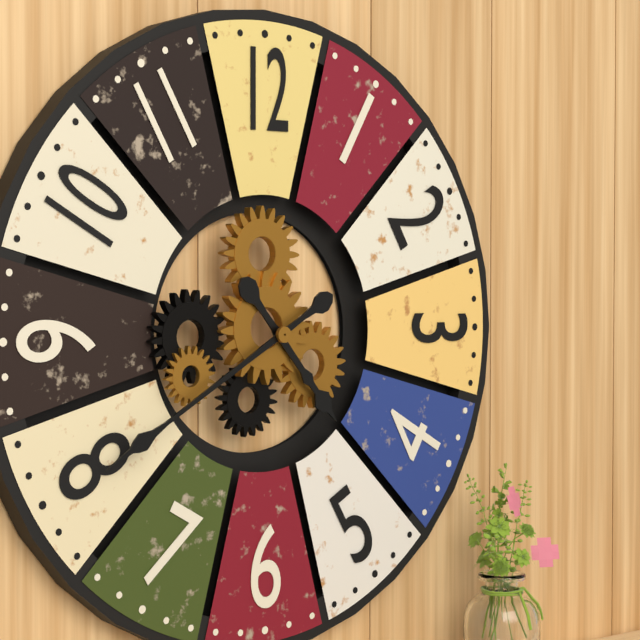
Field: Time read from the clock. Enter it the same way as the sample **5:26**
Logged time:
**4:40**
